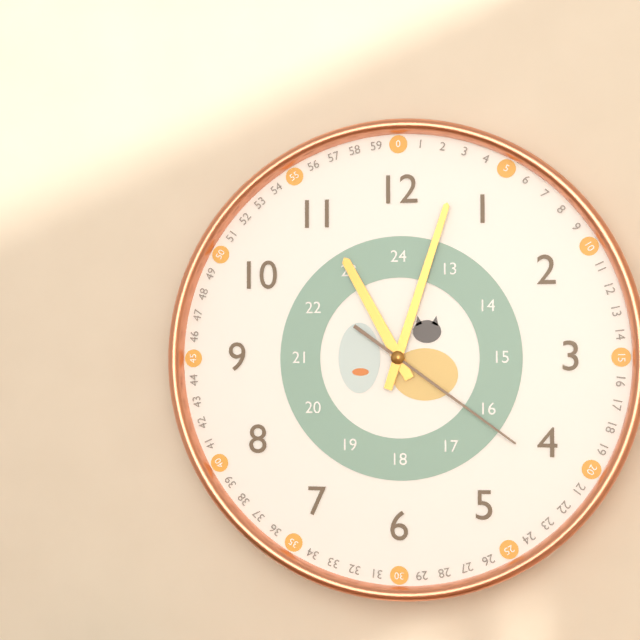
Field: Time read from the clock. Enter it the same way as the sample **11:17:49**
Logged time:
**11:03:21**
